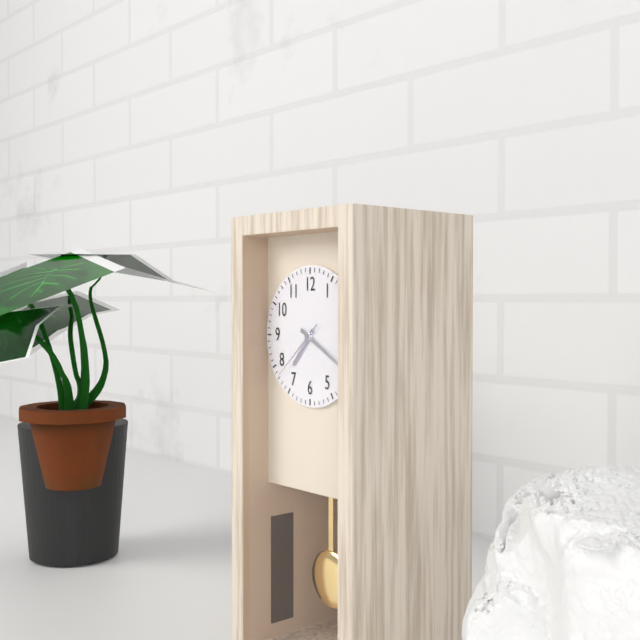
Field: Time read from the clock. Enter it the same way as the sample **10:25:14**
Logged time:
**7:20:38**
